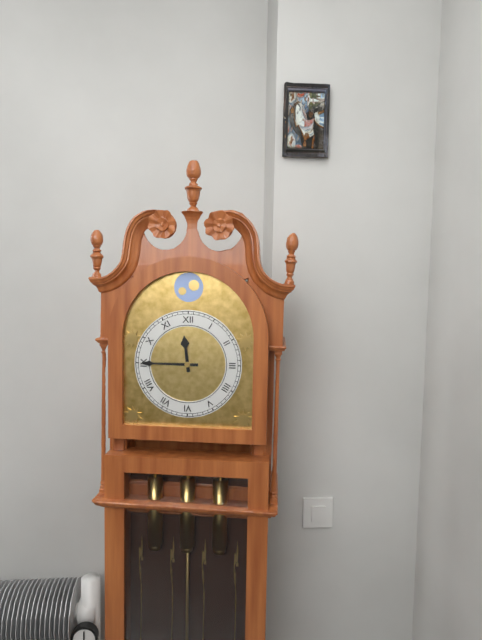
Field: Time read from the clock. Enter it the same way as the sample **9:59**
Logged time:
**11:45**
